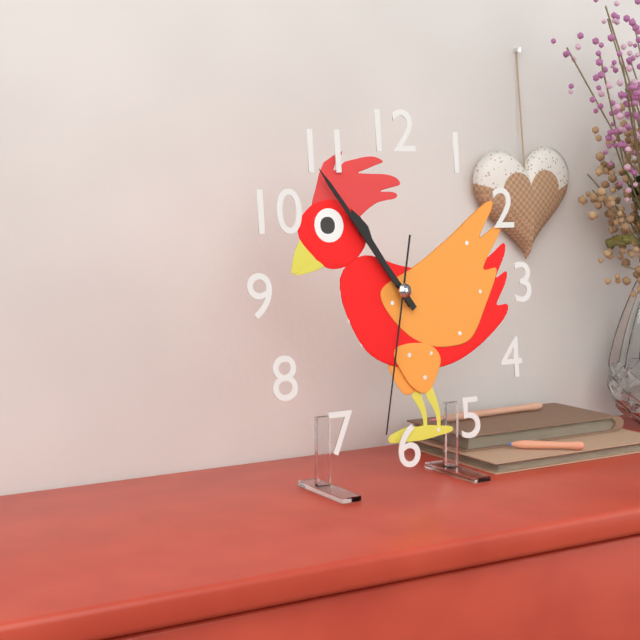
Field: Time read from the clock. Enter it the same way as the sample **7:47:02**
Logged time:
**10:54:32**
